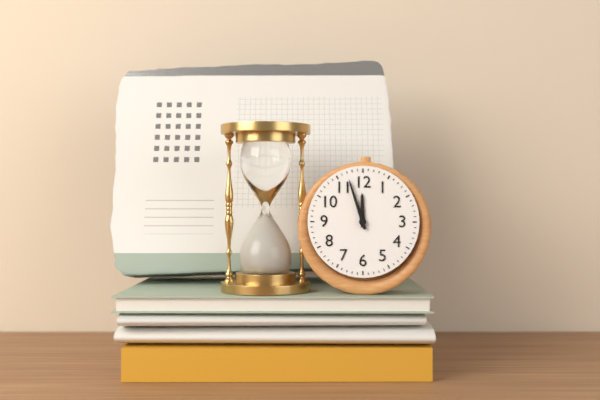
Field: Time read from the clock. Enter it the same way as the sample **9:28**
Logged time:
**11:57**
